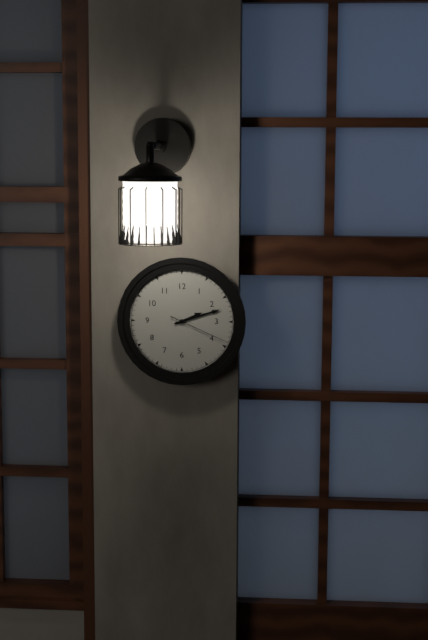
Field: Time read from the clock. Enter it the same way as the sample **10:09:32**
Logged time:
**2:12:19**
